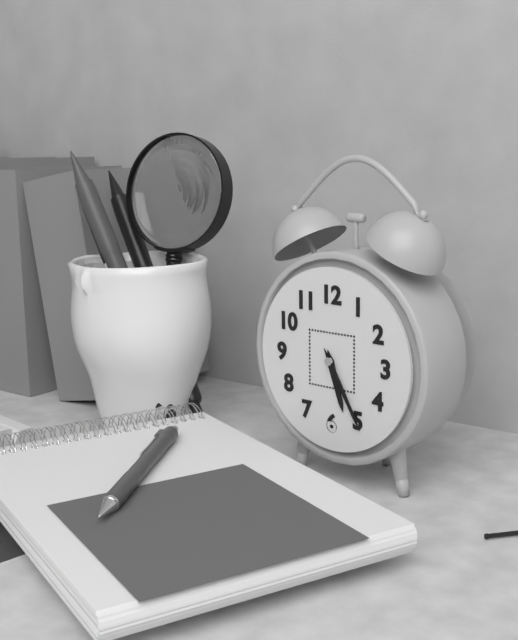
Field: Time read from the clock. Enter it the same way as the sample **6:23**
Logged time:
**5:25**
